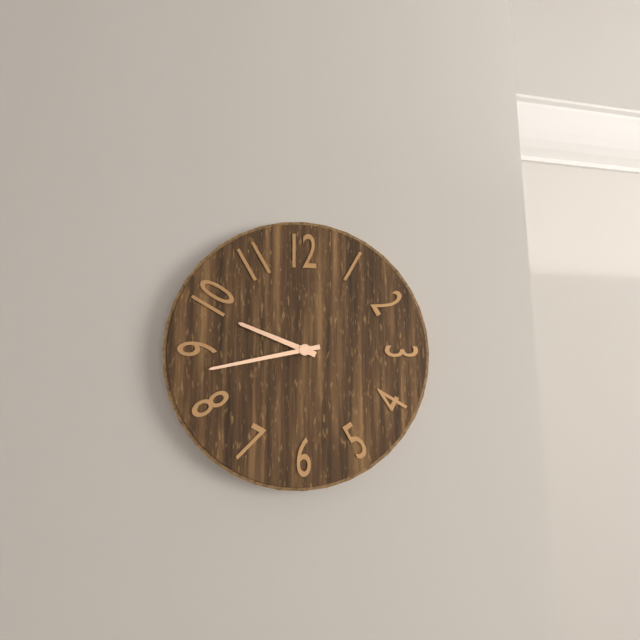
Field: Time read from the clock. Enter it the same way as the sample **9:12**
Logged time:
**9:43**
